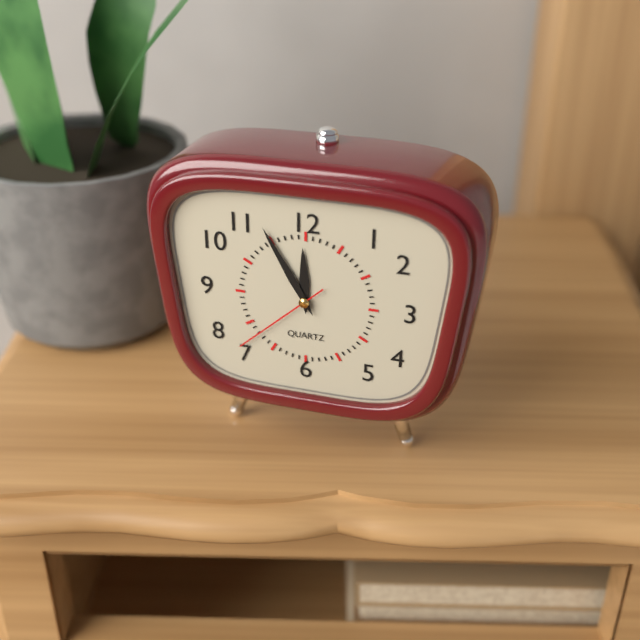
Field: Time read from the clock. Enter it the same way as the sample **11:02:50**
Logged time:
**11:55:38**
